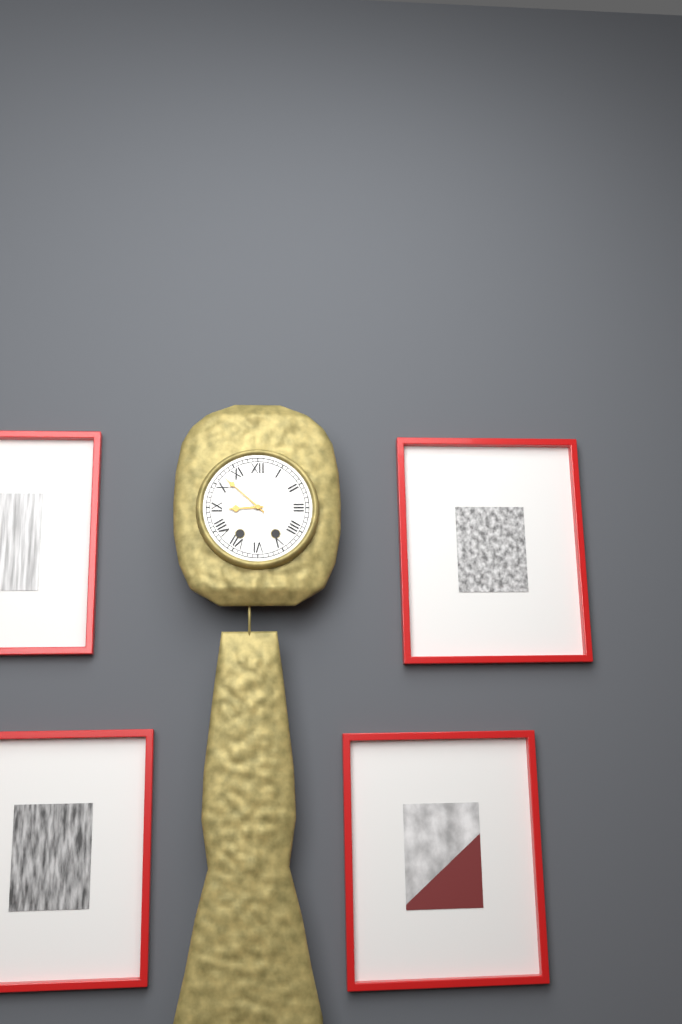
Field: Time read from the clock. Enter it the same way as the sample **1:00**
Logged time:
**8:52**
